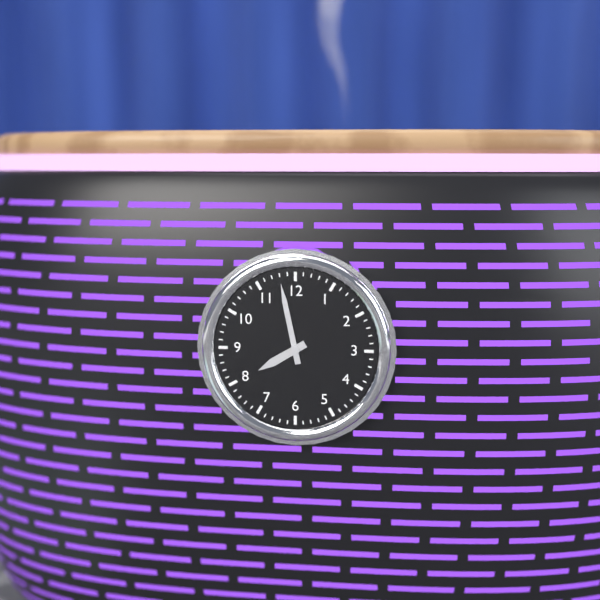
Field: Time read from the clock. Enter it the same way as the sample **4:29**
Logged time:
**7:58**
